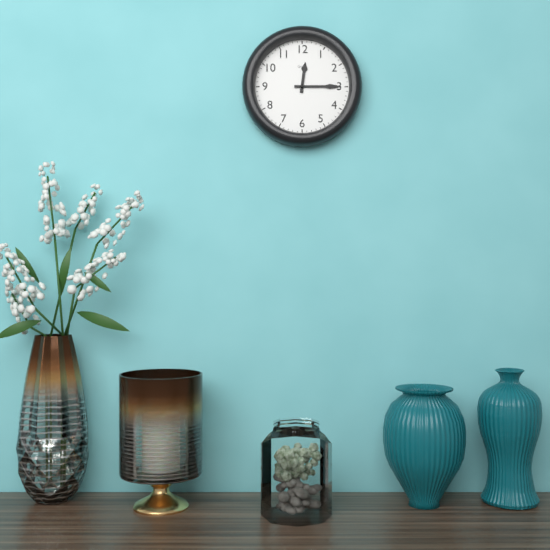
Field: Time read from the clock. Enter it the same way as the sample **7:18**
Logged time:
**12:15**
